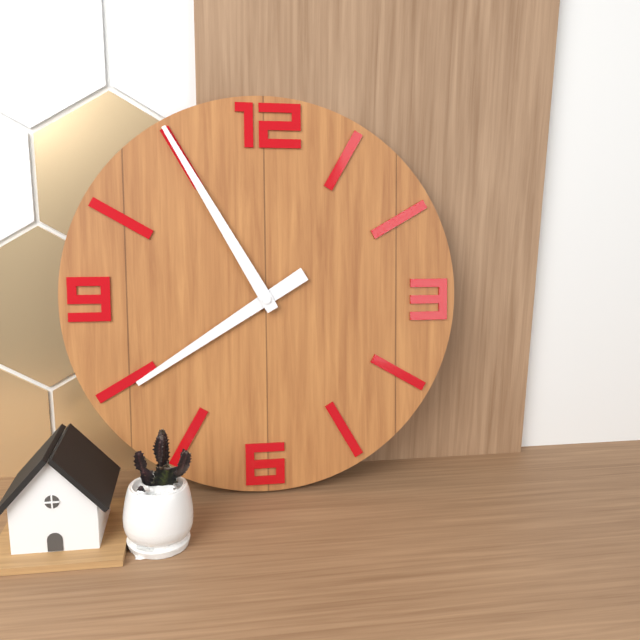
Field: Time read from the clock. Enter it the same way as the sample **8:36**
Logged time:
**7:55**
